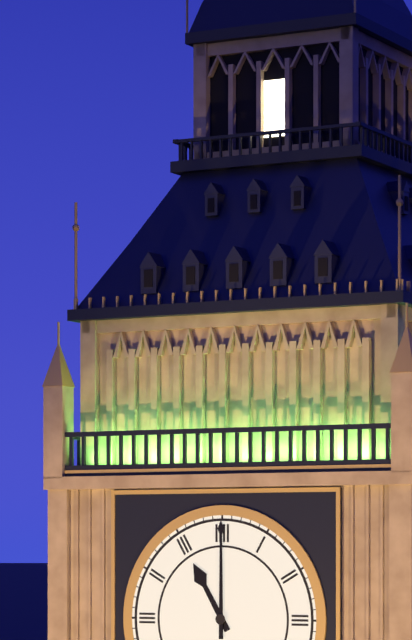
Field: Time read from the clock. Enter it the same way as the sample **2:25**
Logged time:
**11:00**
